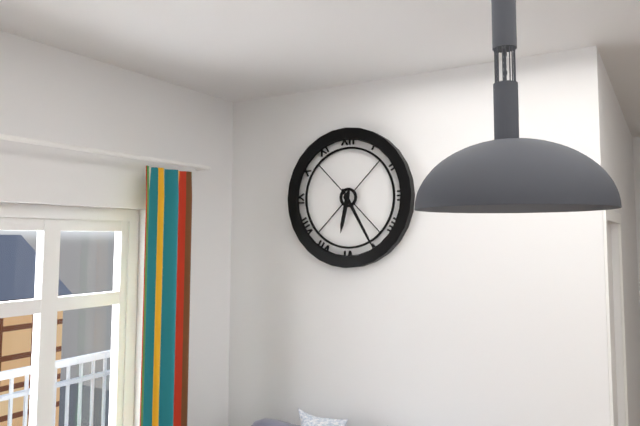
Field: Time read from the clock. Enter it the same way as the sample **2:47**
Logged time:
**6:25**
